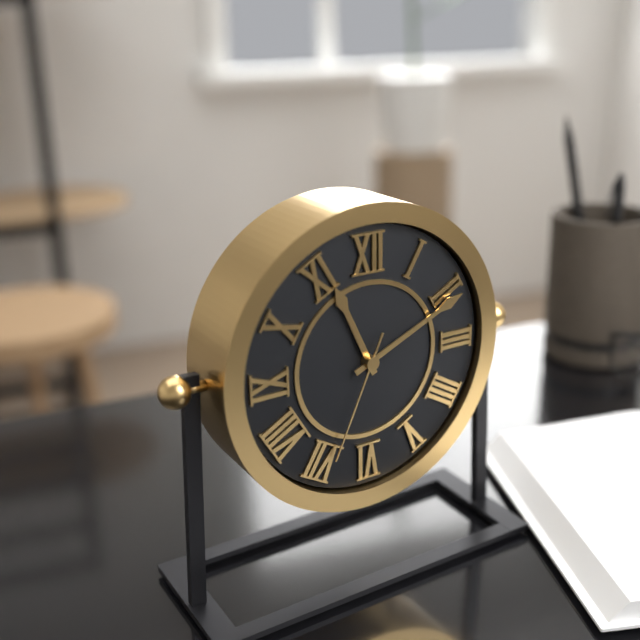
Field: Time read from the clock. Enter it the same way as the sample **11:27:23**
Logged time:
**11:11:34**
